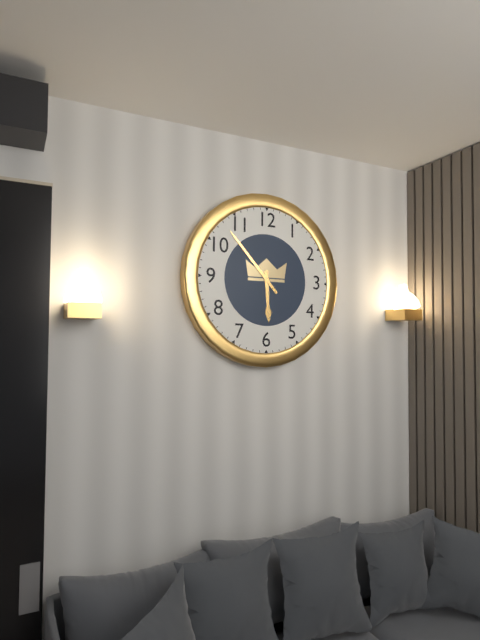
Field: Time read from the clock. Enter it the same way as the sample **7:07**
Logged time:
**5:53**
